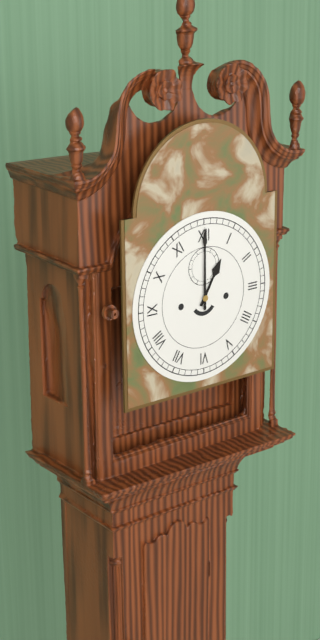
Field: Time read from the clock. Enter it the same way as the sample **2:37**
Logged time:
**1:00**
